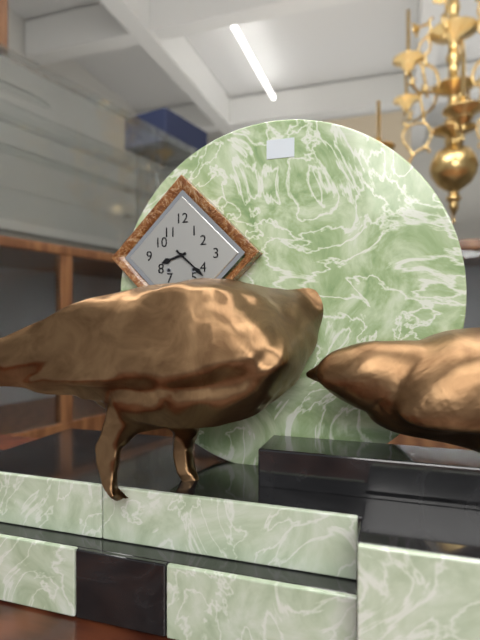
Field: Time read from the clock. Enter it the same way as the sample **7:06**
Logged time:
**8:22**
